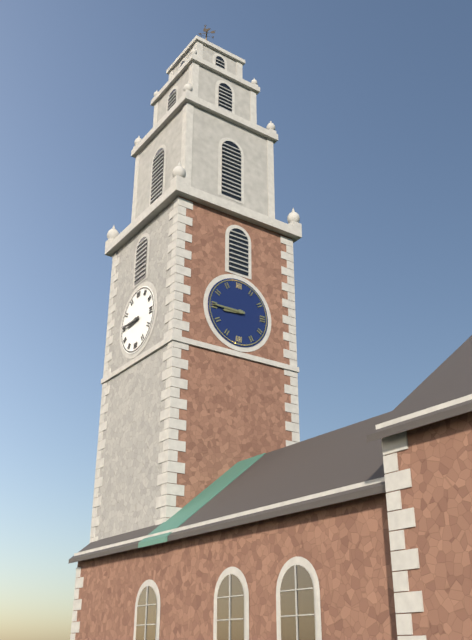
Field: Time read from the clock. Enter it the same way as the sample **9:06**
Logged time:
**8:45**
